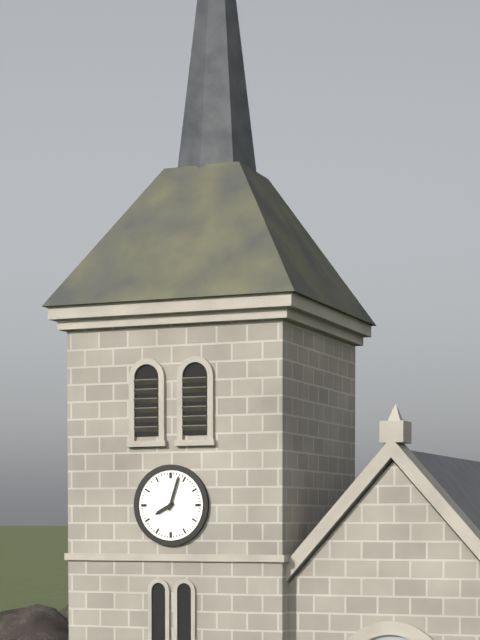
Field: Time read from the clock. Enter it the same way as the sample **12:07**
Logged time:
**8:03**
